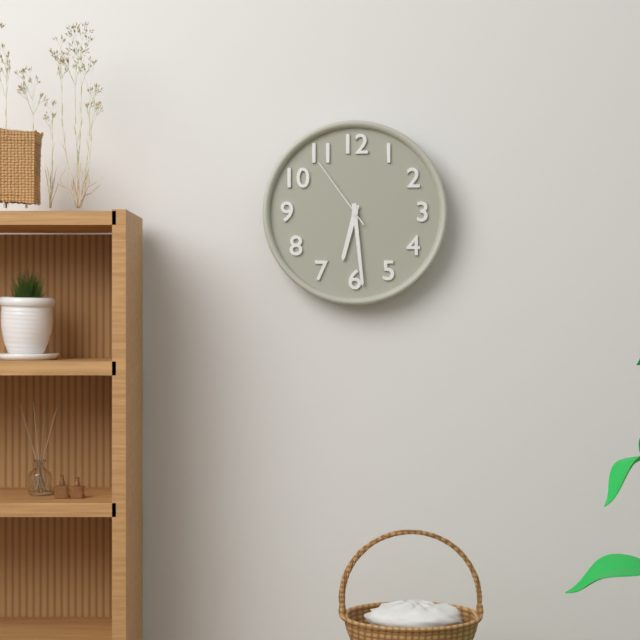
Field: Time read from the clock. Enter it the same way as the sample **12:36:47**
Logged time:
**6:29:54**
